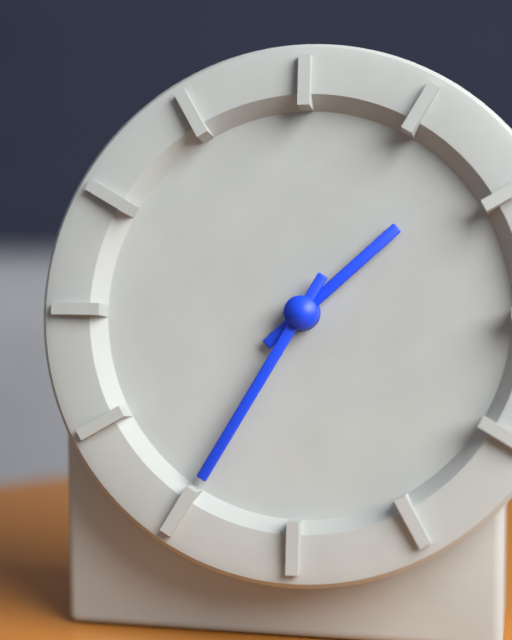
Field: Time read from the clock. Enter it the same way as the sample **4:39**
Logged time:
**1:35**
